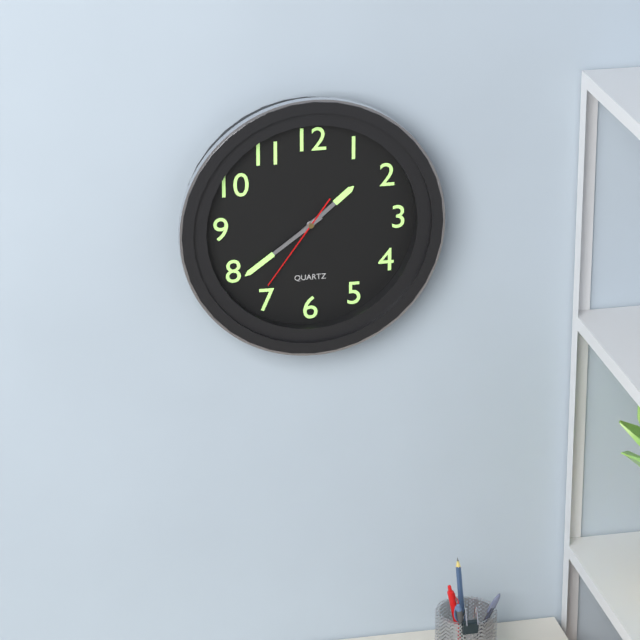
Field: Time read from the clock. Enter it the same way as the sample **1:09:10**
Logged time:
**1:39:36**
